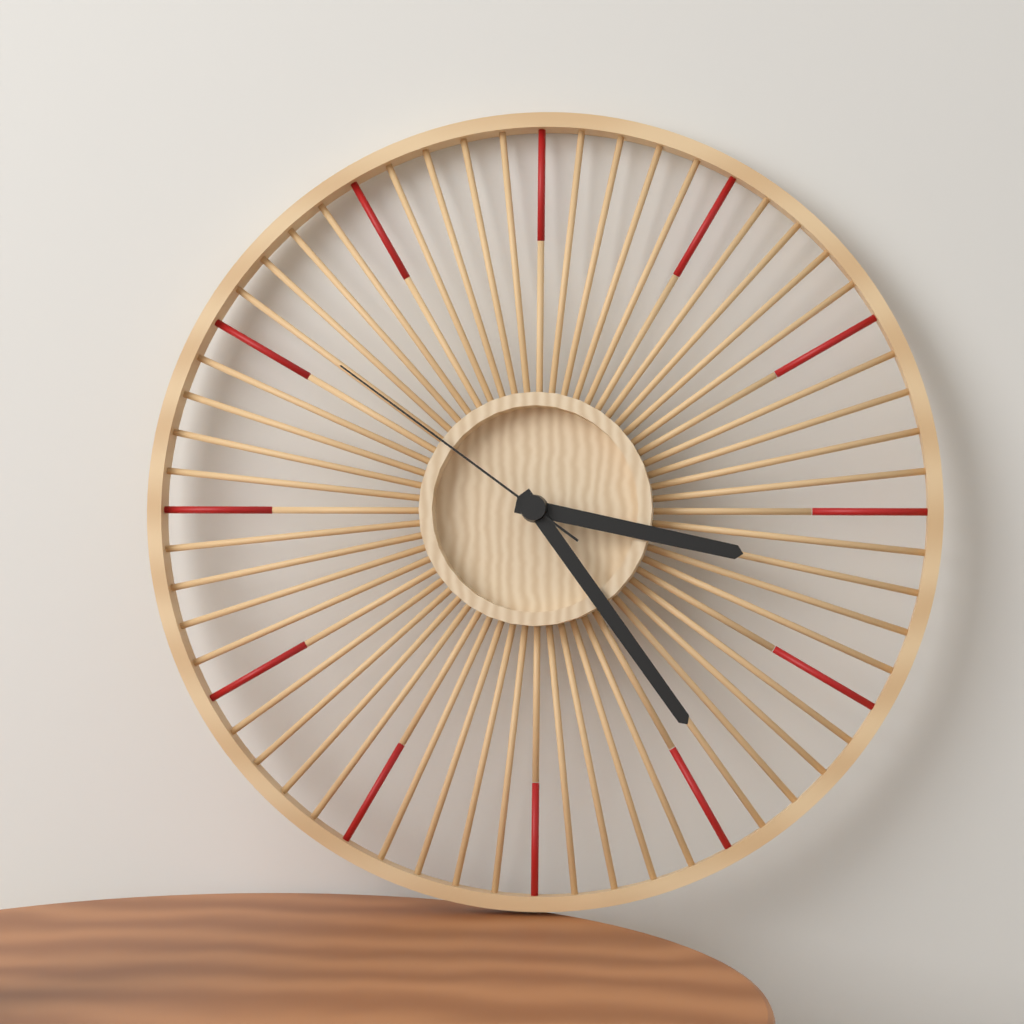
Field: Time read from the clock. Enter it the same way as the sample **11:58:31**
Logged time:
**3:24:51**
